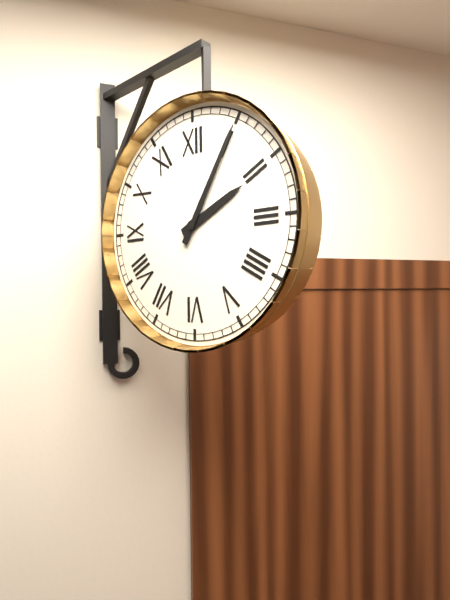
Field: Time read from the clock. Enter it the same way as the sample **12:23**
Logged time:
**2:05**
